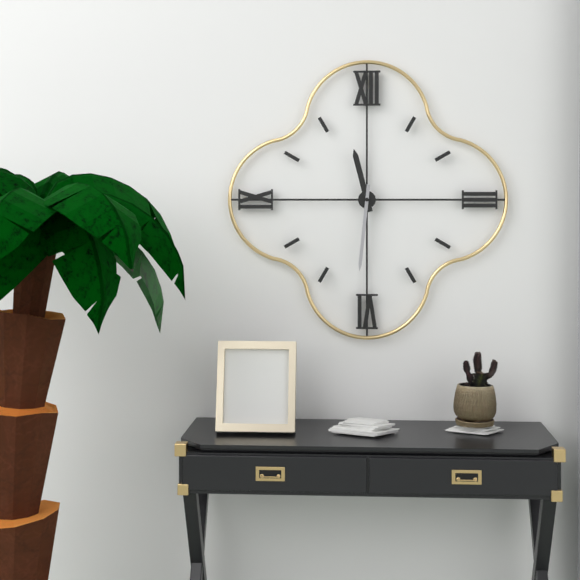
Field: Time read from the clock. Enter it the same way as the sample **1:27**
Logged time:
**11:31**
